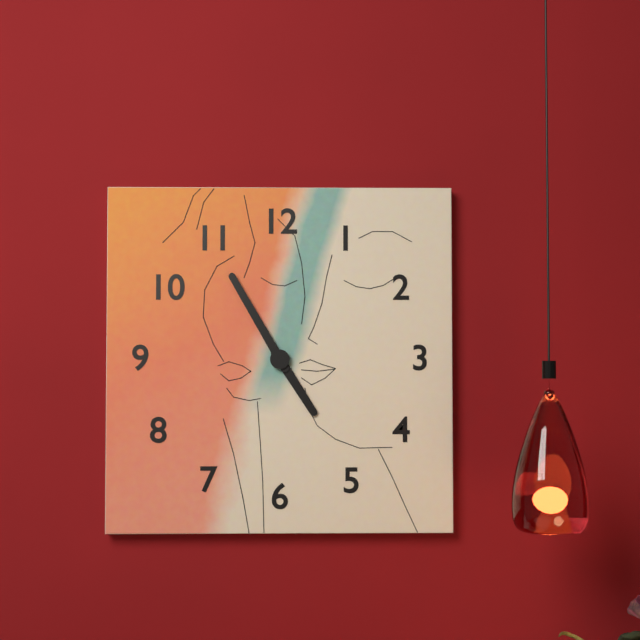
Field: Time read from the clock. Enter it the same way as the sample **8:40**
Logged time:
**4:55**
